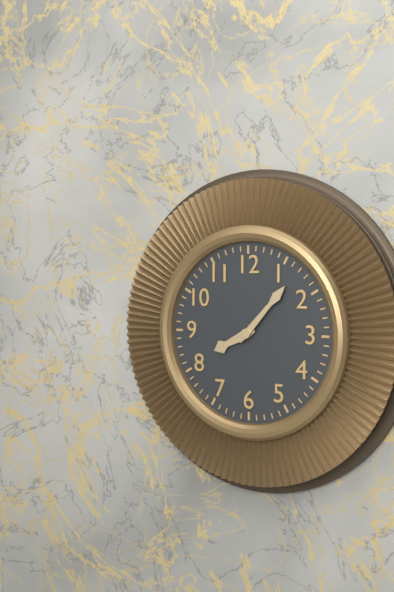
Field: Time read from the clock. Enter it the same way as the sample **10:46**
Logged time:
**8:07**
